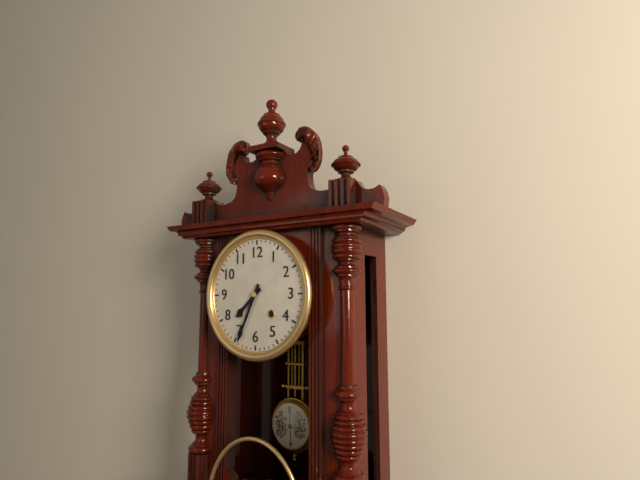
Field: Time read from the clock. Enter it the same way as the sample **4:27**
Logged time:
**7:34**
